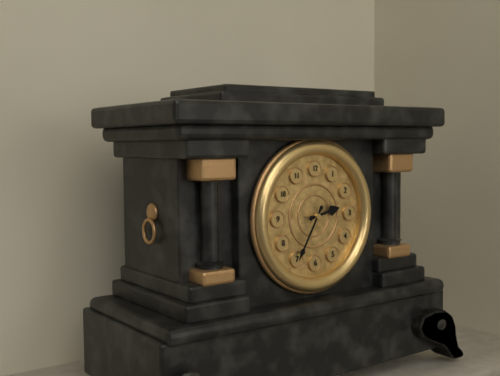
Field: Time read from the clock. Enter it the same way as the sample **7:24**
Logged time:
**2:35**
